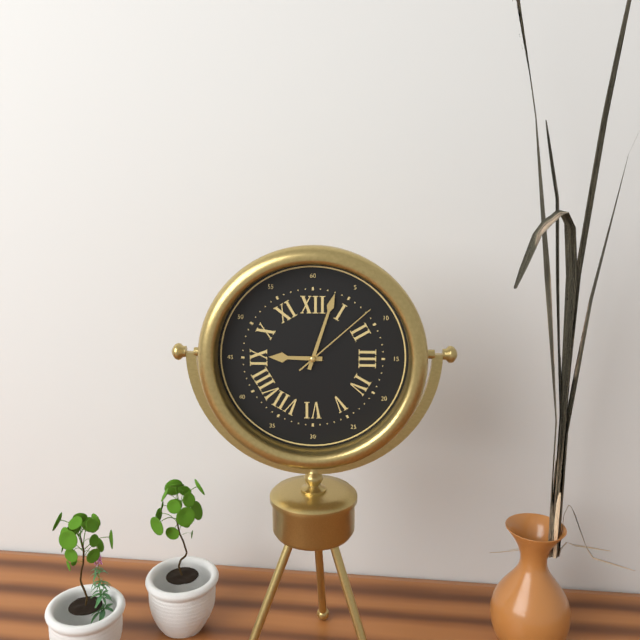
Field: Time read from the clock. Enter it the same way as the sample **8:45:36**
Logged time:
**9:03:08**
